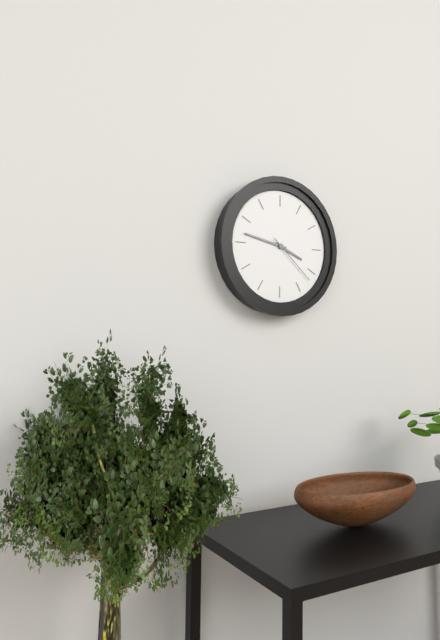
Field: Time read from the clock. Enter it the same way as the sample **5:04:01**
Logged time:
**3:47:22**
